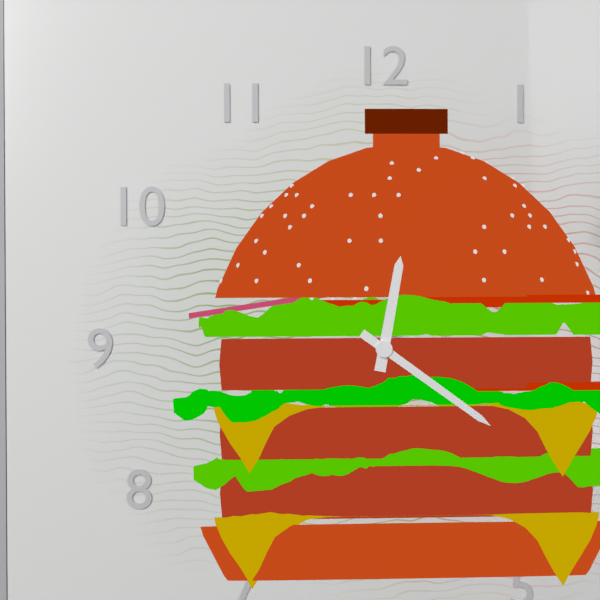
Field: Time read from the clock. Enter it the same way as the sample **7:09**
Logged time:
**12:21**
